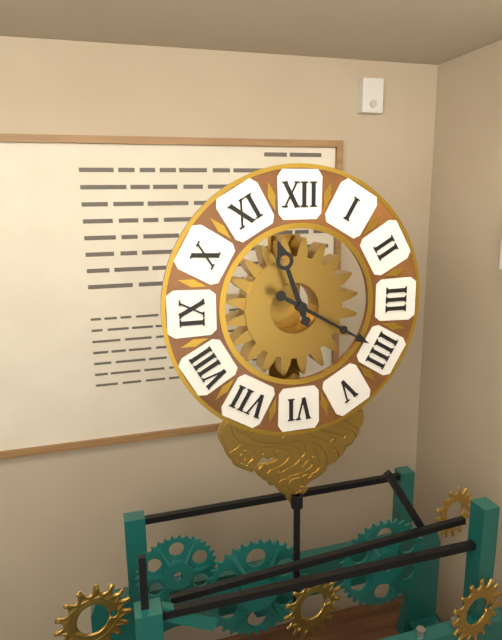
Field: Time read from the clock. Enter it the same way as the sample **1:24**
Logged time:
**11:20**
